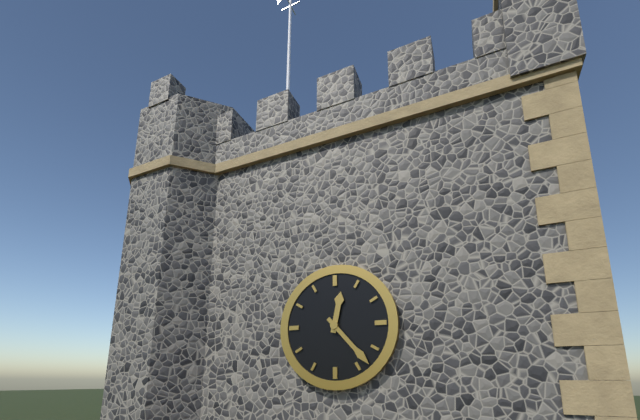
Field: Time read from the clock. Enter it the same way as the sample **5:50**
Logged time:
**12:23**
